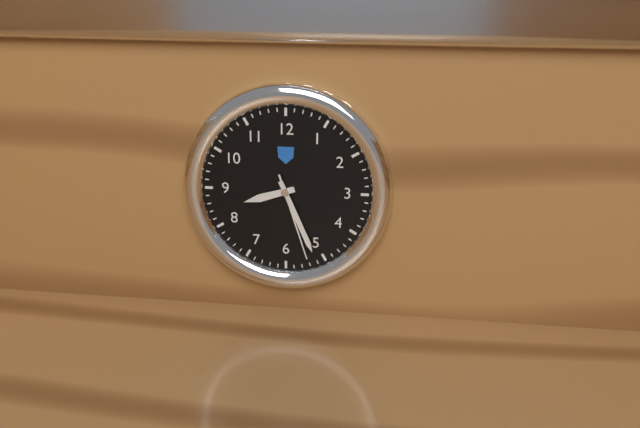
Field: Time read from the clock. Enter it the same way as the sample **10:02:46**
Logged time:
**8:26:27**
